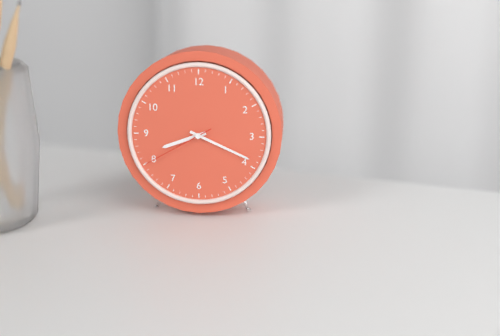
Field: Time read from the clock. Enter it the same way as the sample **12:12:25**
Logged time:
**8:19:40**
